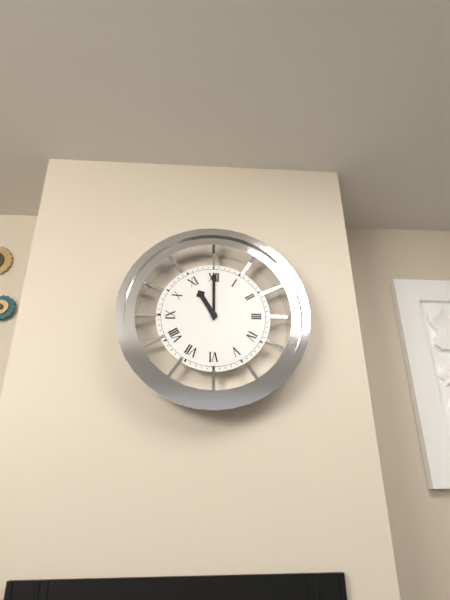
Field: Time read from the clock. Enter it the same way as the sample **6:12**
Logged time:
**11:00**
